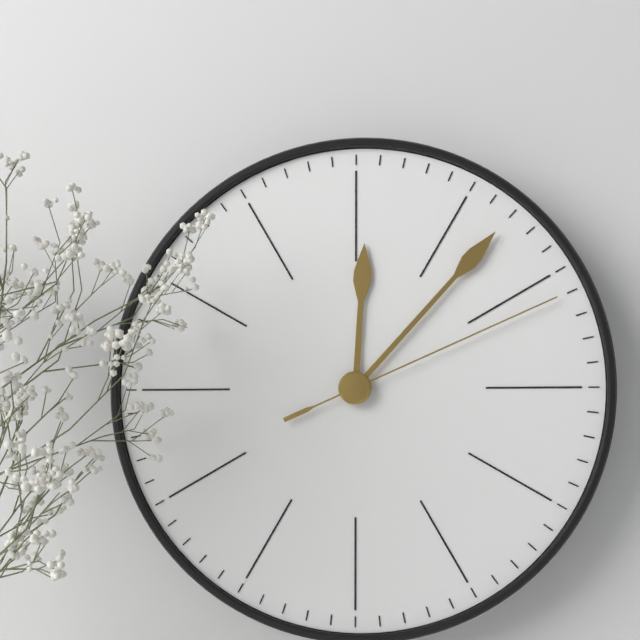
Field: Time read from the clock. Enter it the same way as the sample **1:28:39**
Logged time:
**12:07:11**
